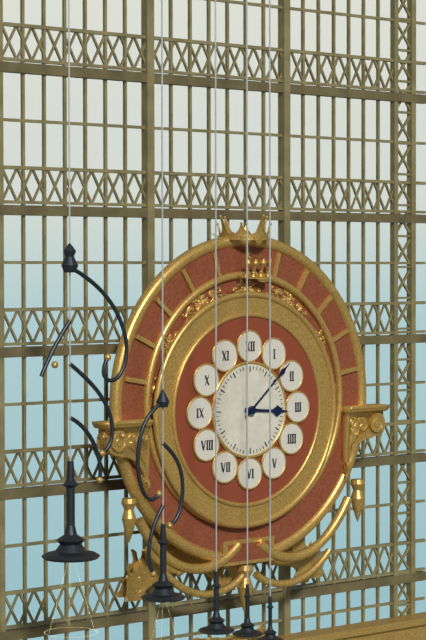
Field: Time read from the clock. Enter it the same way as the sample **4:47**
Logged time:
**3:08**
